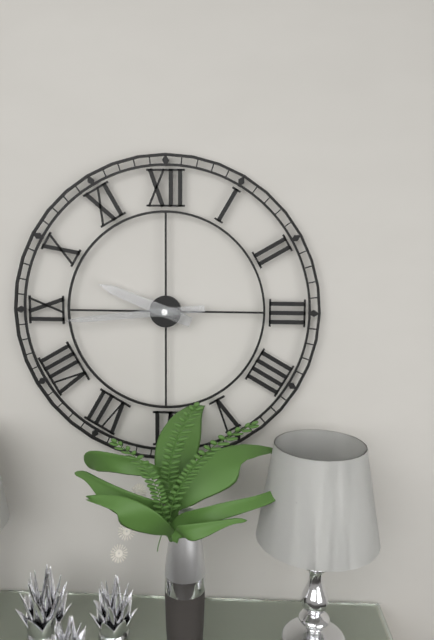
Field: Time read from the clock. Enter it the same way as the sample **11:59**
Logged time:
**9:44**
